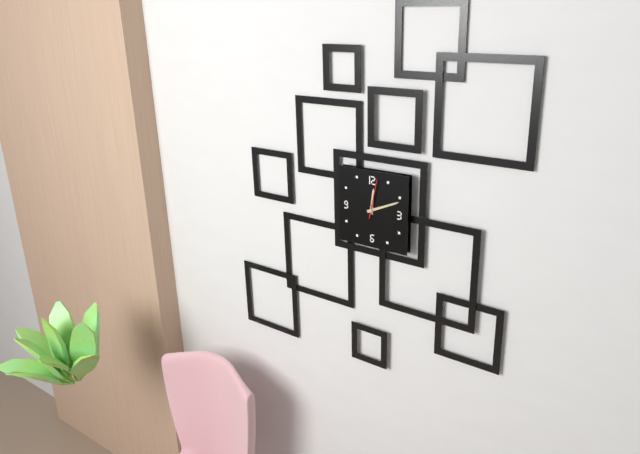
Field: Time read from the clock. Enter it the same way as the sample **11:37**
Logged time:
**12:11**
